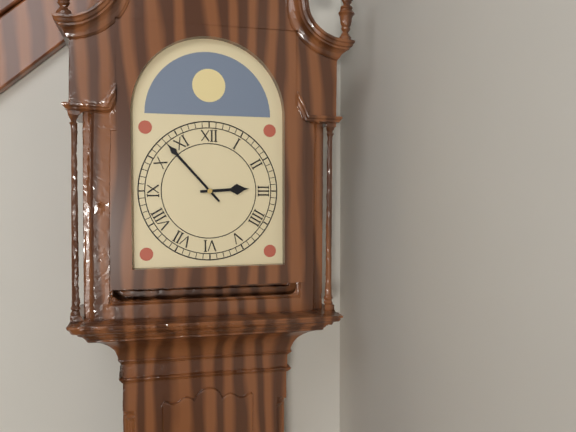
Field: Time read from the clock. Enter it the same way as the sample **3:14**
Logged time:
**2:53**
